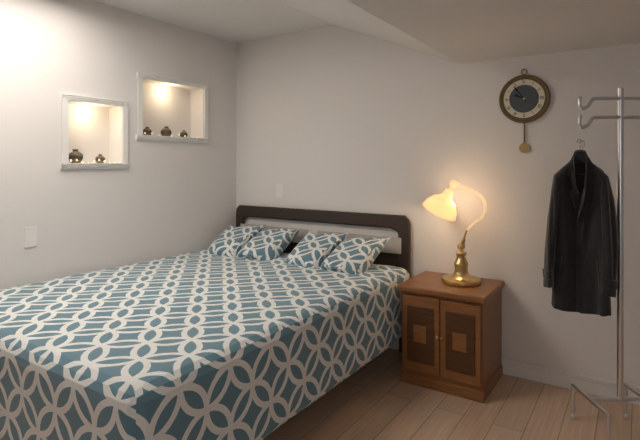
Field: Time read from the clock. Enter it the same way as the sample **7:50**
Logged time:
**9:54**
